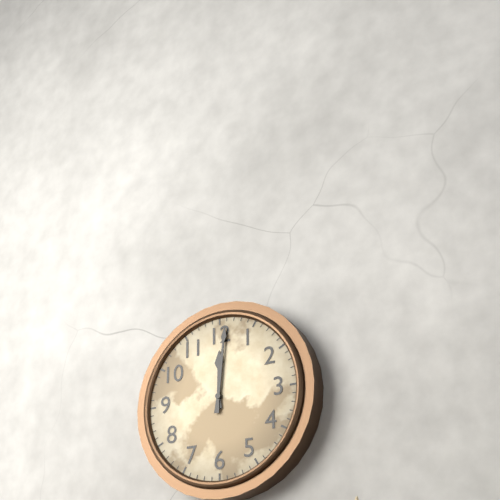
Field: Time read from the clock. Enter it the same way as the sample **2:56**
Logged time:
**12:01**
